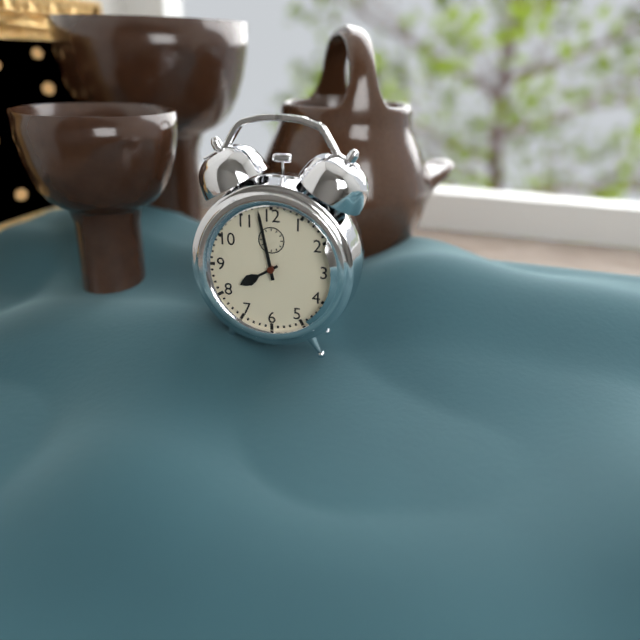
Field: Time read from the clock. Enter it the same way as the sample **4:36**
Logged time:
**7:58**
